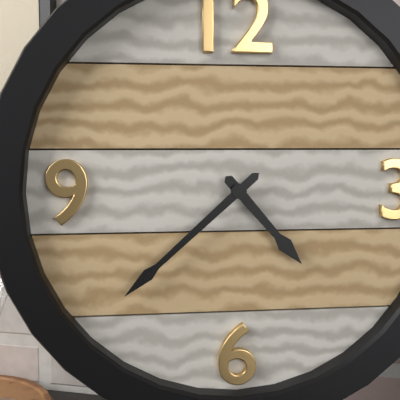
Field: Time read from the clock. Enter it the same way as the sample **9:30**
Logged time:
**4:38**
